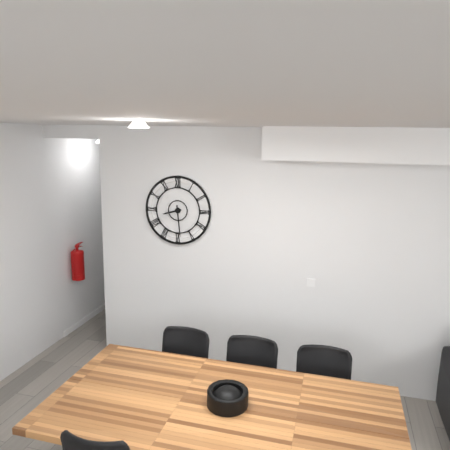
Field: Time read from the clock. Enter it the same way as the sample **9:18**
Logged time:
**8:29**
